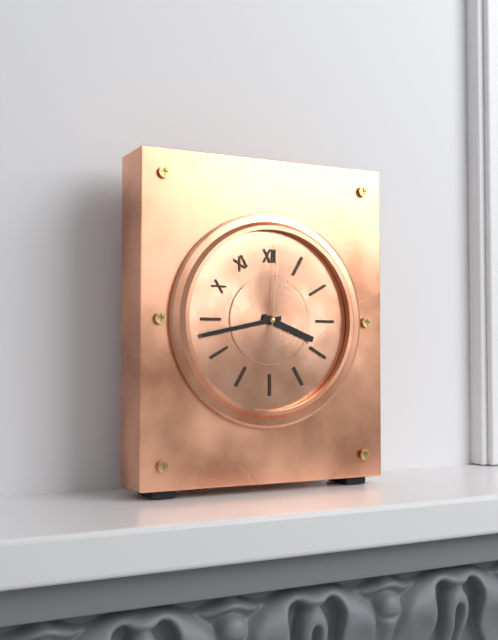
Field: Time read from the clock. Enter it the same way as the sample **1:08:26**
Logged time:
**3:43:01**
